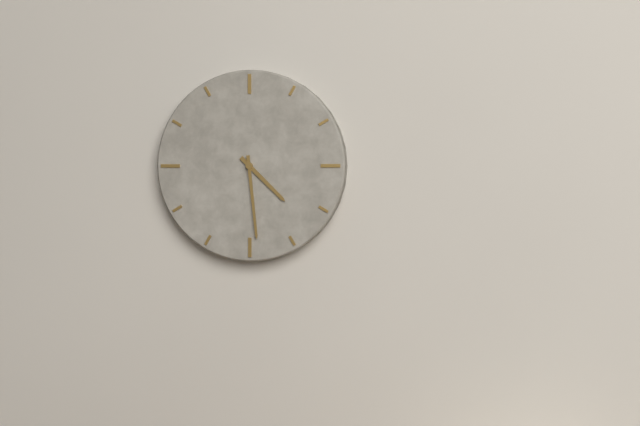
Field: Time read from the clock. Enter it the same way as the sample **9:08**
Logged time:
**4:29**
